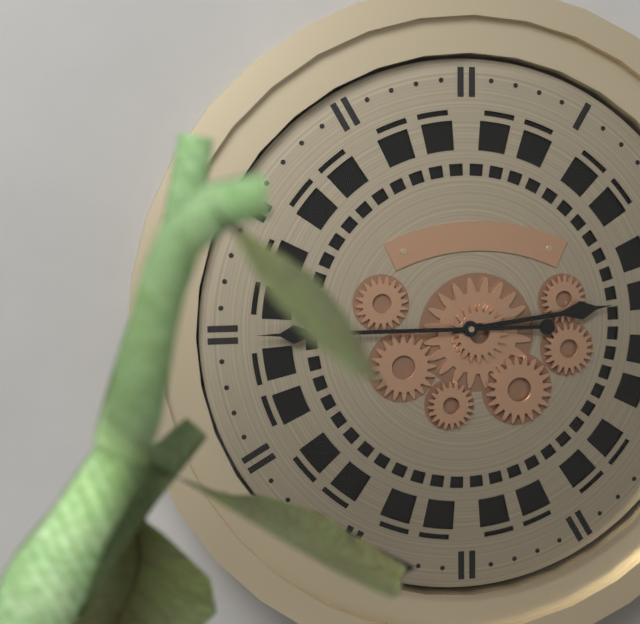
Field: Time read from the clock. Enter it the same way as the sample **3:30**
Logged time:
**2:45**
